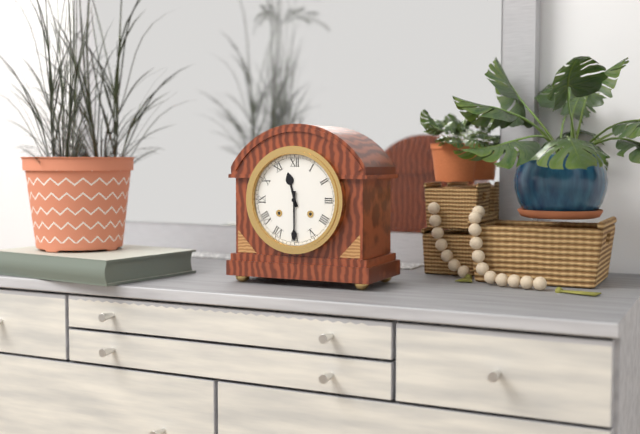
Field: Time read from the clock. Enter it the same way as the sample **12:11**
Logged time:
**11:30**
